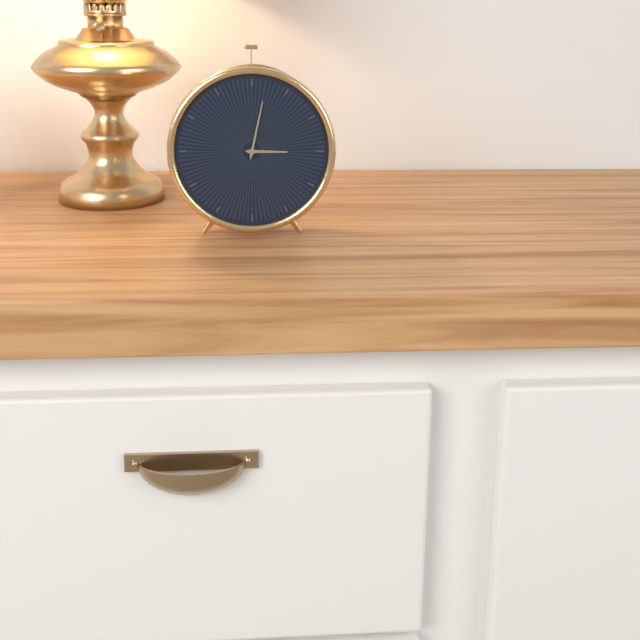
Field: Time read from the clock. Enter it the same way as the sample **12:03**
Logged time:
**3:02**
